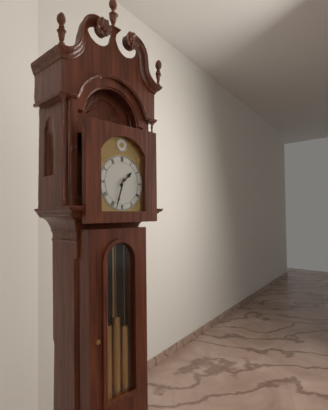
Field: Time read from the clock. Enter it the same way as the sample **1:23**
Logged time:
**1:33**
